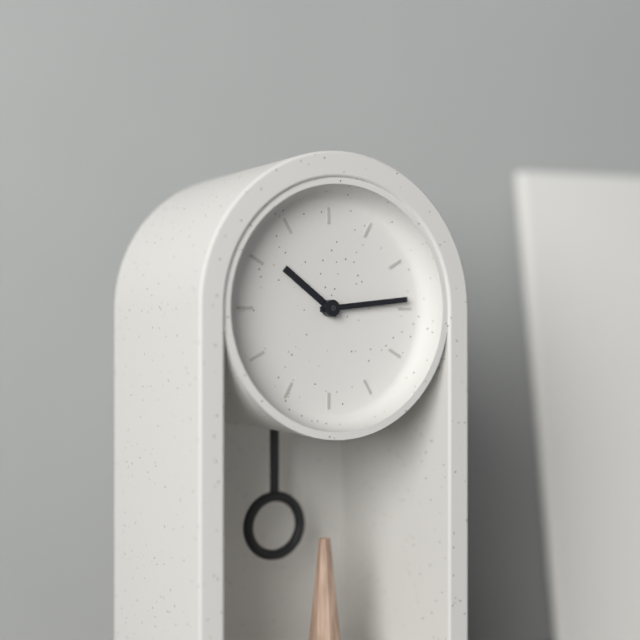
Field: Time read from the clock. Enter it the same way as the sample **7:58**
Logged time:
**10:14**
